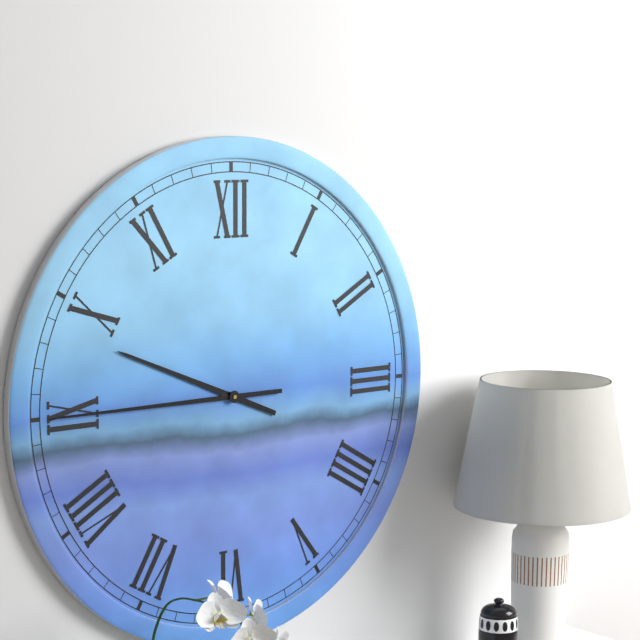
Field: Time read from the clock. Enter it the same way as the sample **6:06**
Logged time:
**9:45**
